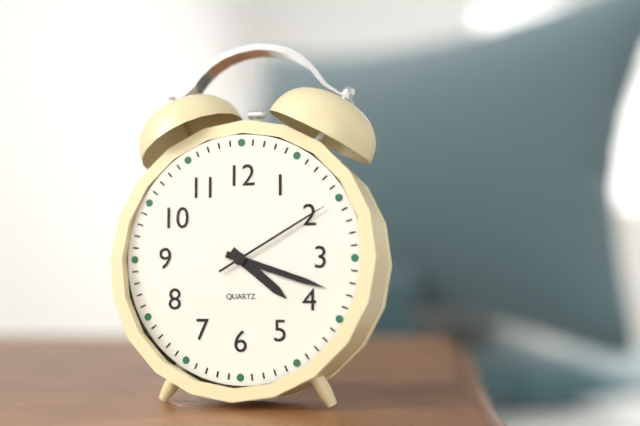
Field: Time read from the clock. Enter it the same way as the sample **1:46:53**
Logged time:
**4:18:10**
